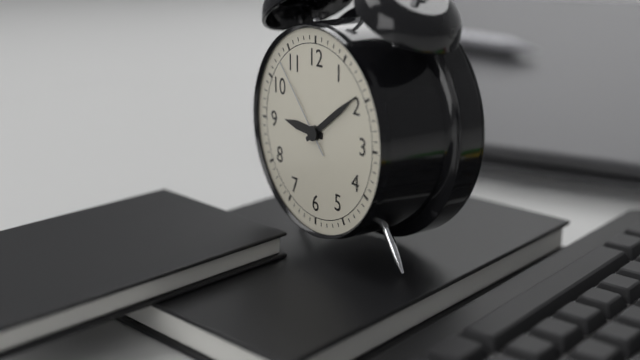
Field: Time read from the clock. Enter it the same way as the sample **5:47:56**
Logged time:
**9:09:53**
